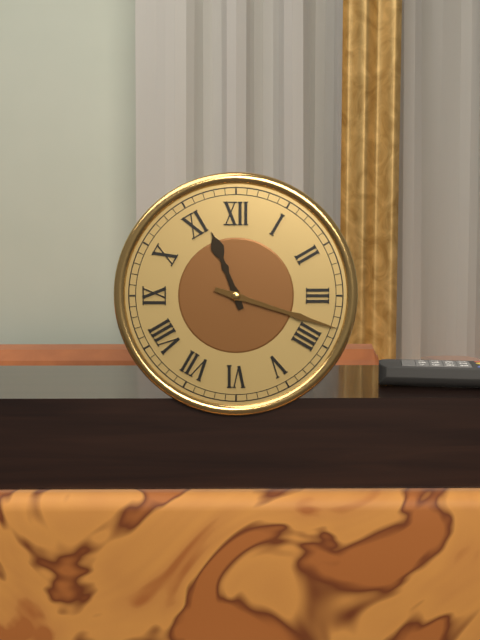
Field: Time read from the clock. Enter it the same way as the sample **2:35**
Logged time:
**11:18**
